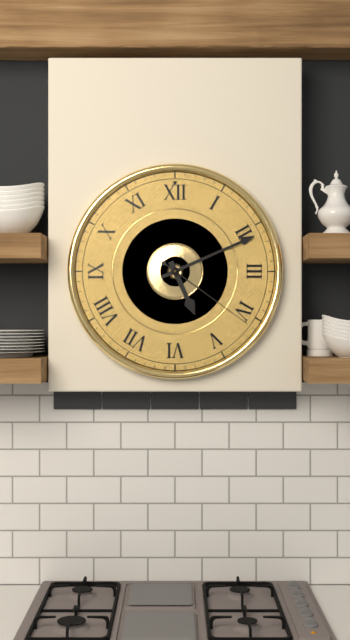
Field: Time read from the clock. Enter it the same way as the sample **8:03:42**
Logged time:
**5:11:21**
